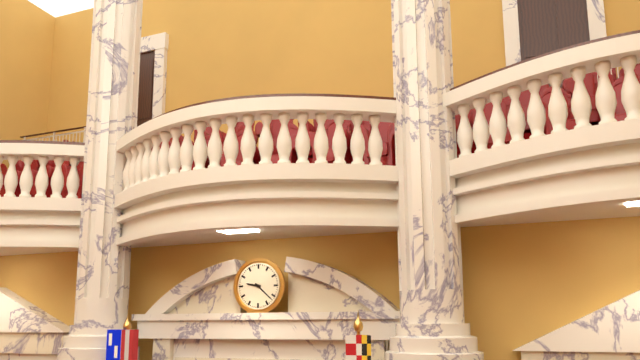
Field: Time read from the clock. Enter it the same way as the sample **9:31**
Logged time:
**9:22**
